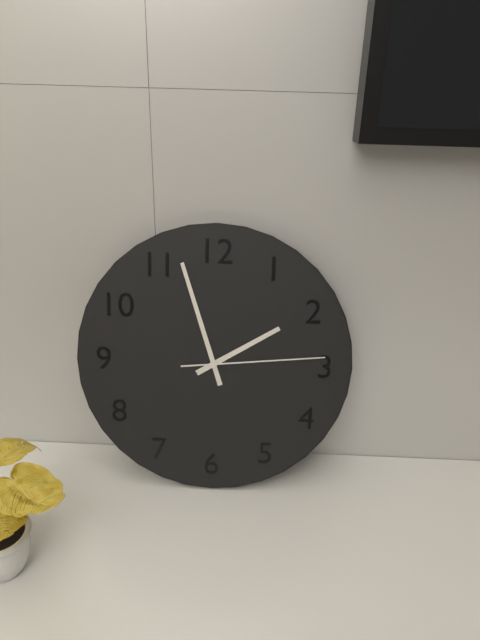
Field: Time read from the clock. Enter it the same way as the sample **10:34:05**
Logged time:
**1:57:14**
